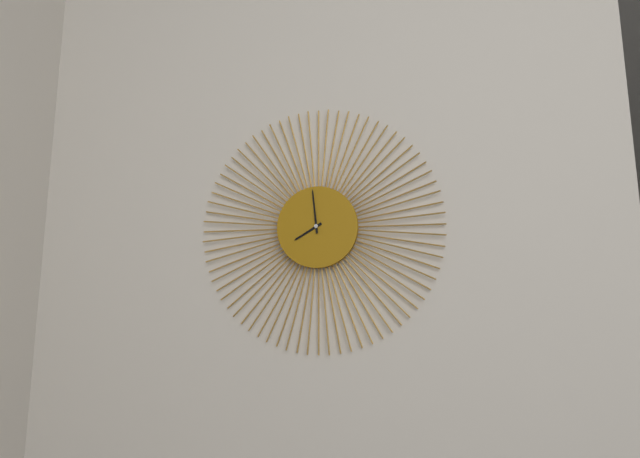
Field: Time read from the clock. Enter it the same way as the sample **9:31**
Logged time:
**7:59**
